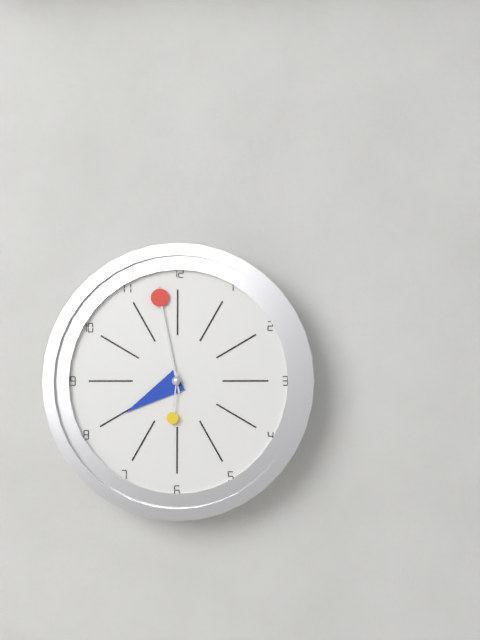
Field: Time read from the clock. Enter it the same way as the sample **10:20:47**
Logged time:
**7:58:31**
